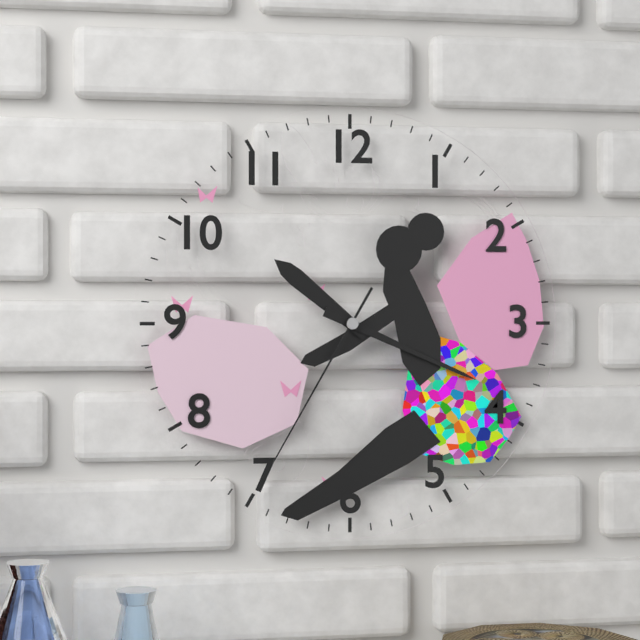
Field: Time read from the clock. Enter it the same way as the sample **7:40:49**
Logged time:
**10:19:35**
